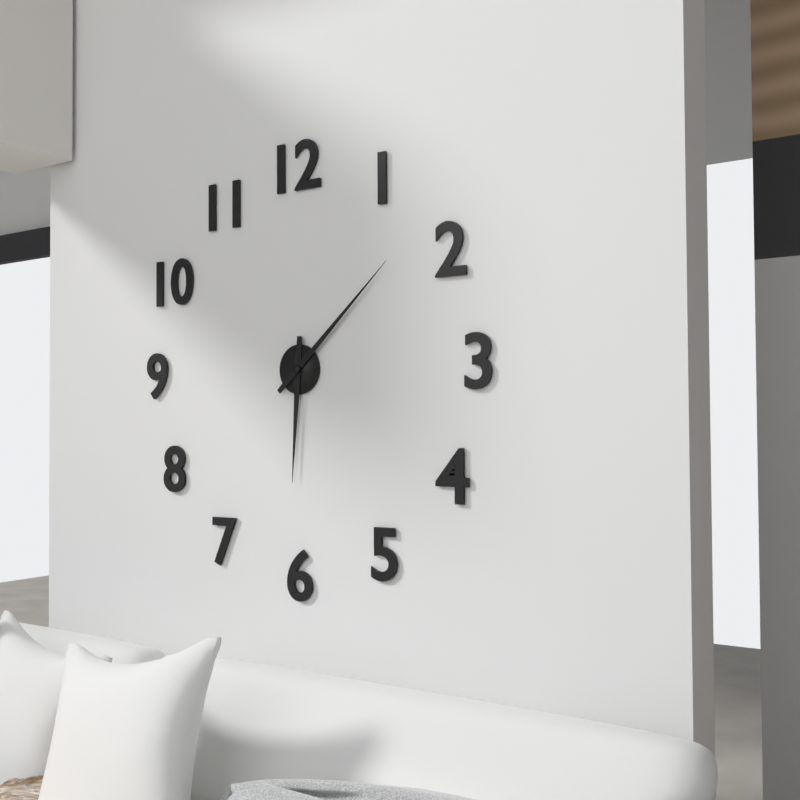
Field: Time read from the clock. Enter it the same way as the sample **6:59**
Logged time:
**6:08**
